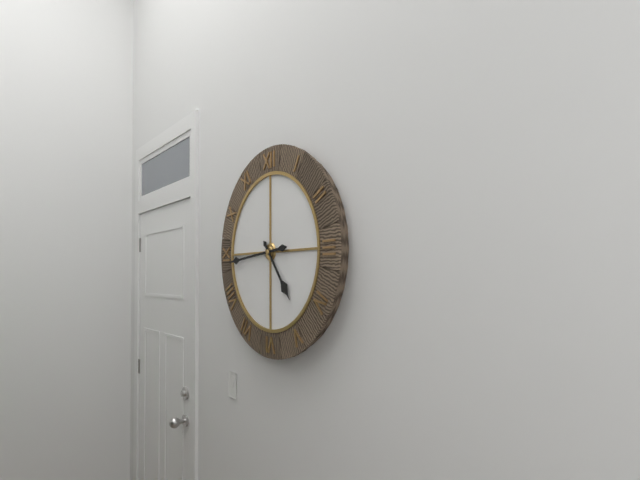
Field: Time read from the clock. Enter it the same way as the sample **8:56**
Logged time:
**4:44**
